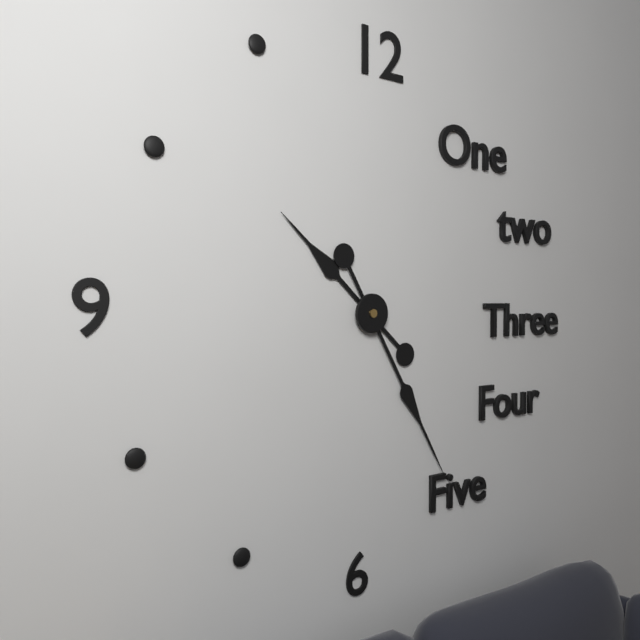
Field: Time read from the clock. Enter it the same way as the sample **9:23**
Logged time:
**10:25**
